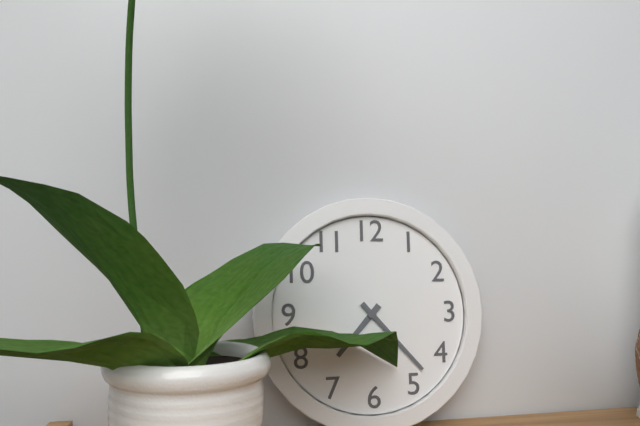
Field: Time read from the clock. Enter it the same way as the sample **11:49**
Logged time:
**7:23**
